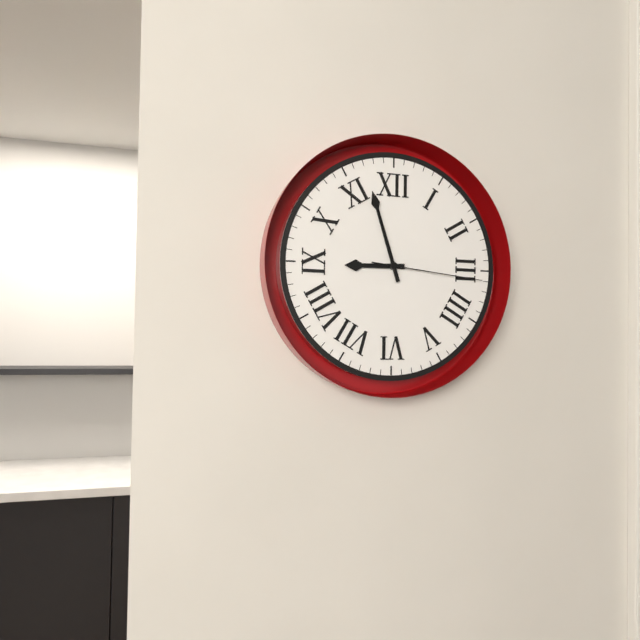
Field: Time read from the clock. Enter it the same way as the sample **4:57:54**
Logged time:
**8:57:16**
